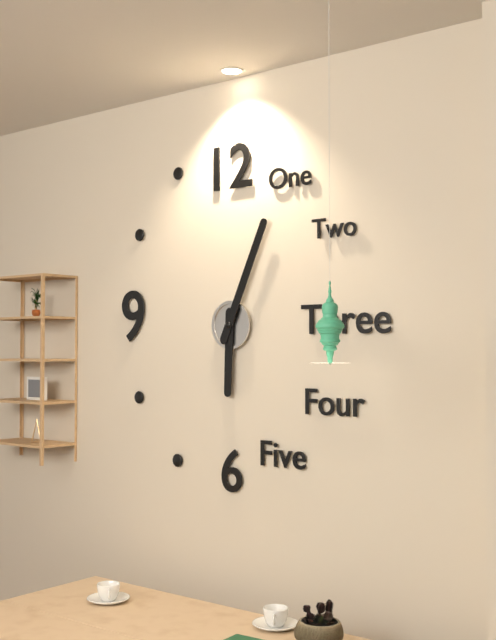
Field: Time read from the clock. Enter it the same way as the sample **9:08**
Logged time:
**6:04**
